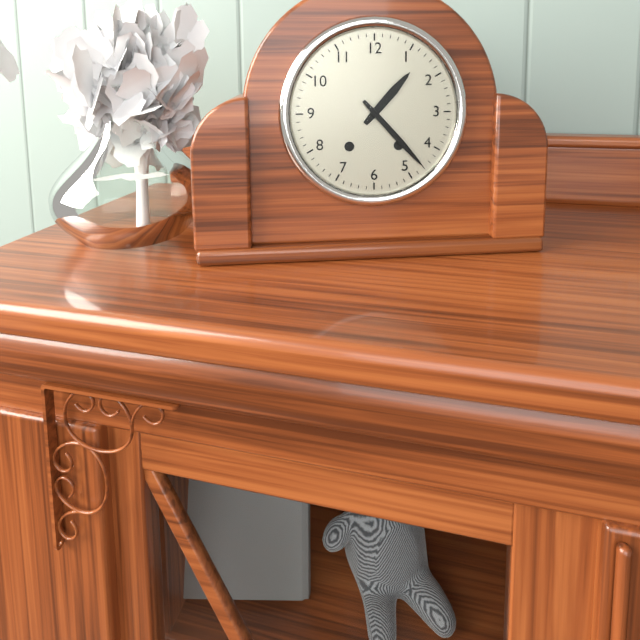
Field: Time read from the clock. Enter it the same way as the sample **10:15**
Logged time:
**1:23**
